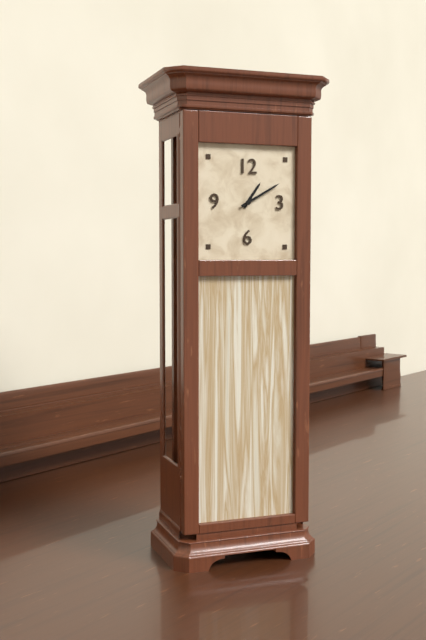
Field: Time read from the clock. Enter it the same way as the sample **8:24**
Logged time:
**1:10**
